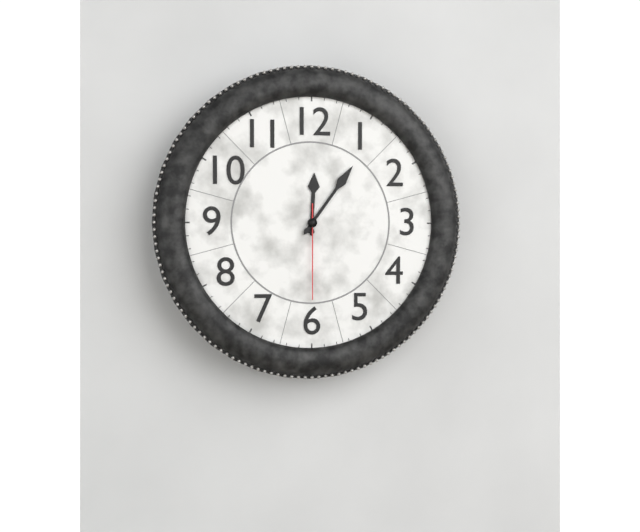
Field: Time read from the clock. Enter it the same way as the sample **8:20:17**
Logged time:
**12:06:30**
